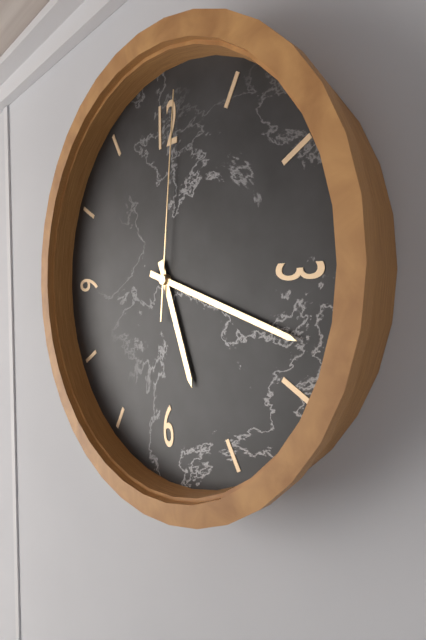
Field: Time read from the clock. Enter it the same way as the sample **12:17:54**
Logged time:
**5:18:01**
